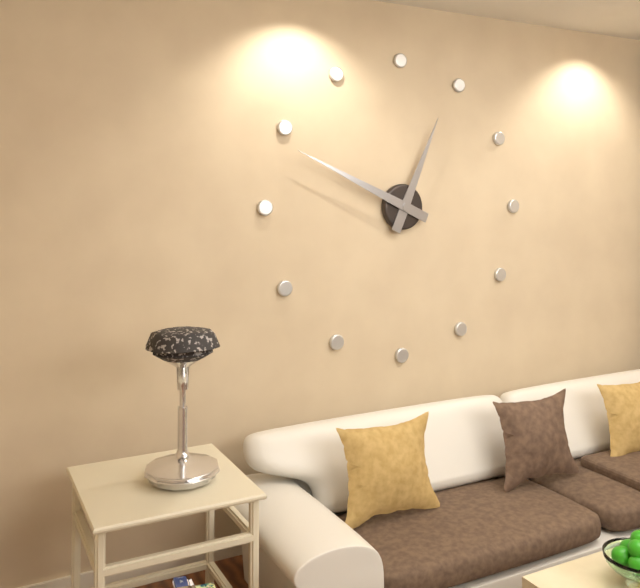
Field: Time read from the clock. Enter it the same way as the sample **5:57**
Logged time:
**12:49**
